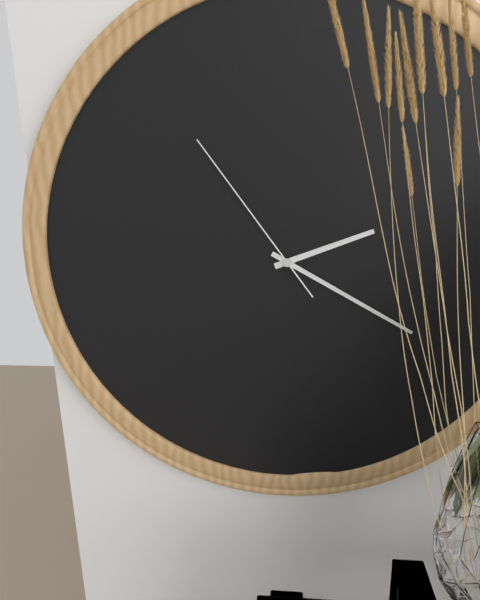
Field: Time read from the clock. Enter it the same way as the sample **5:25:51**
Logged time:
**2:20:54**
